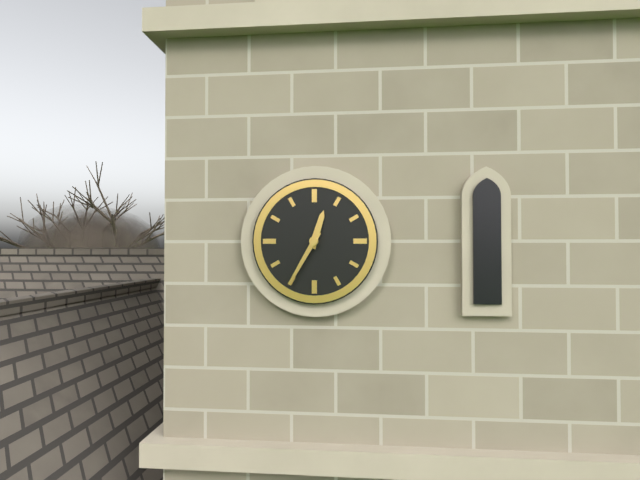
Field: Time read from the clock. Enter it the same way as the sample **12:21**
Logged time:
**12:35**
